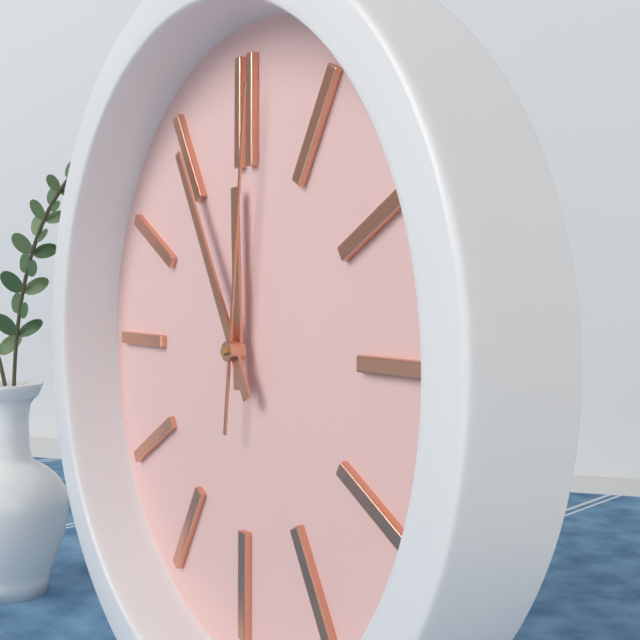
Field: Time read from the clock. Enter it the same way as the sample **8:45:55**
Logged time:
**11:55:01**
